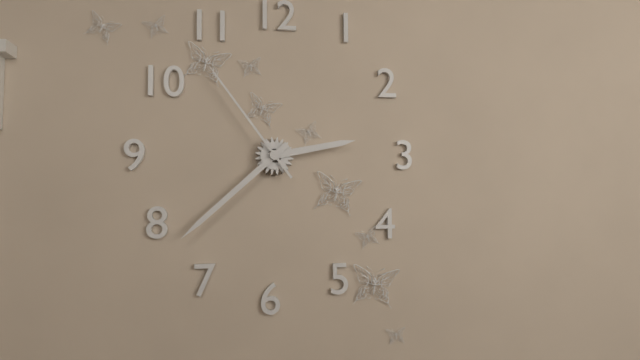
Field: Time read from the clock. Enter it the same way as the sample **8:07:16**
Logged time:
**2:38:54**
